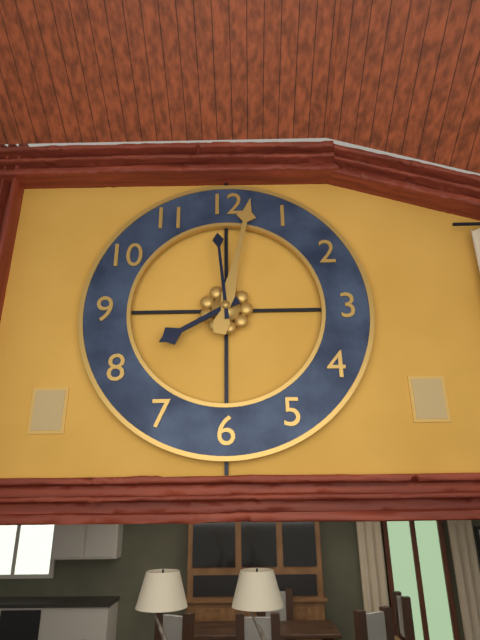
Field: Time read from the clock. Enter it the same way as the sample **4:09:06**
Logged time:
**8:02:59**
